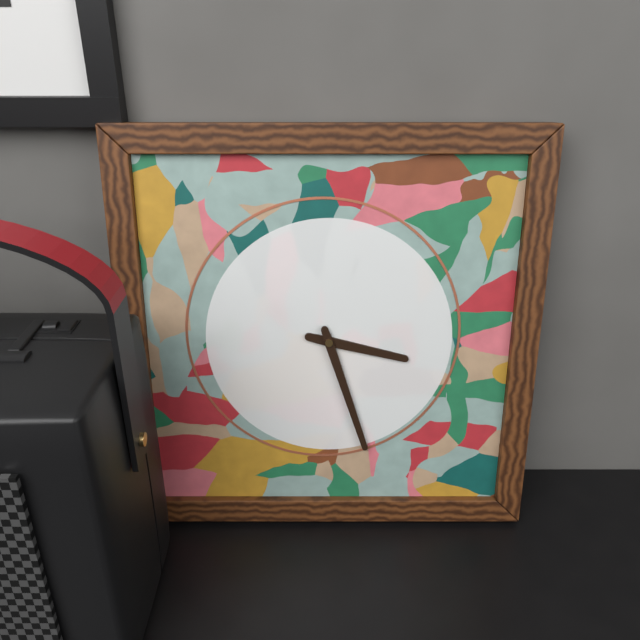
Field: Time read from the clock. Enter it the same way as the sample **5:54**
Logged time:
**3:27**
